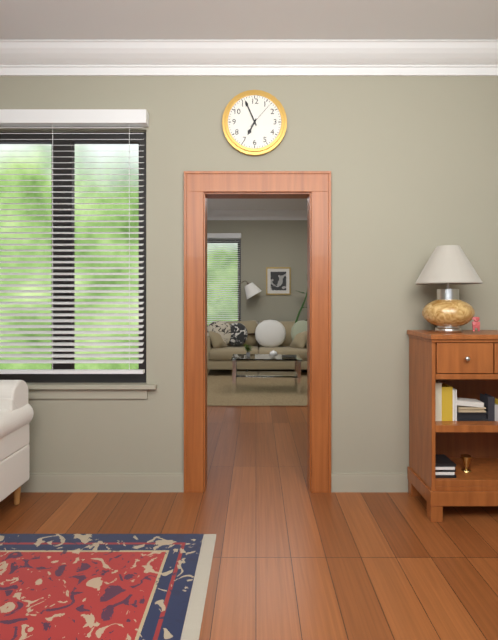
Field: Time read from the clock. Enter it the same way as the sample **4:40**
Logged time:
**6:56**
